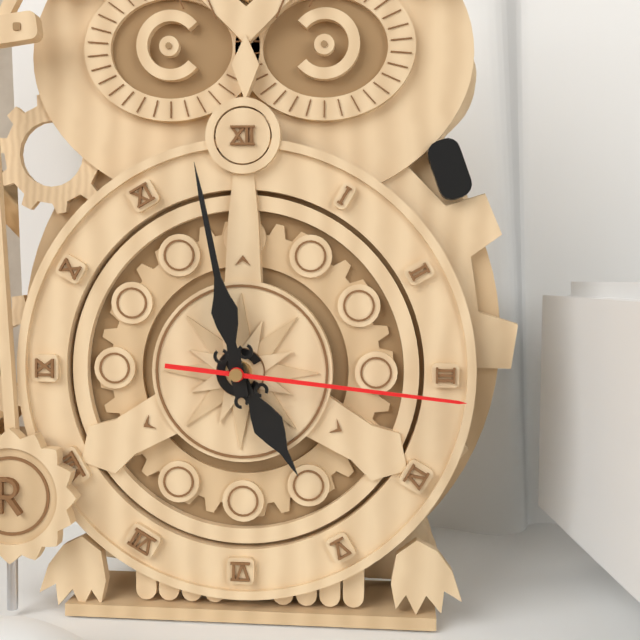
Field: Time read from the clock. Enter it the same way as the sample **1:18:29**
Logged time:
**4:58:16**
